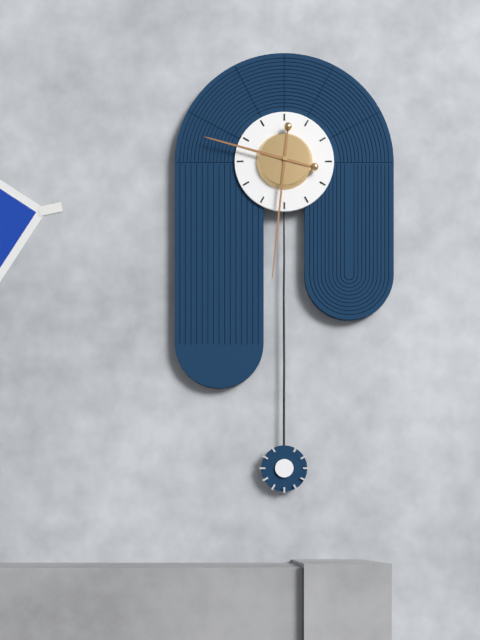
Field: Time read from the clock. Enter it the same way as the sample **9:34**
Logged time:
**9:31**
